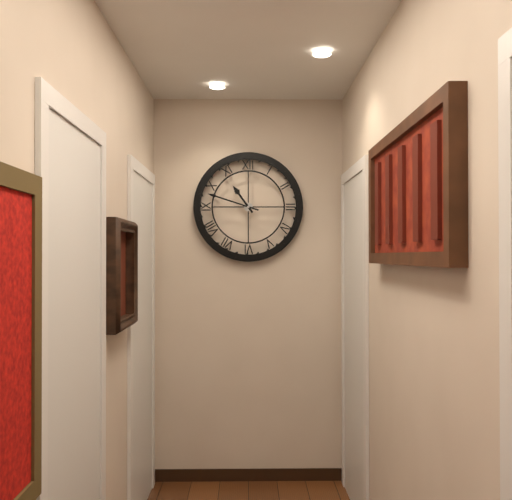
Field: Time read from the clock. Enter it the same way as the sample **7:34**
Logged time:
**10:48**
